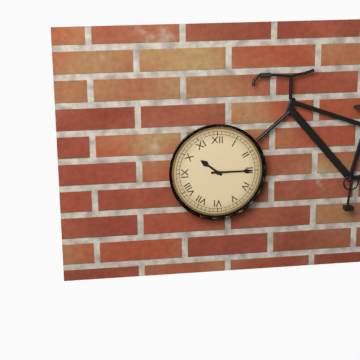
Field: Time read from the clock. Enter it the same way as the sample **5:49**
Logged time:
**10:15**
